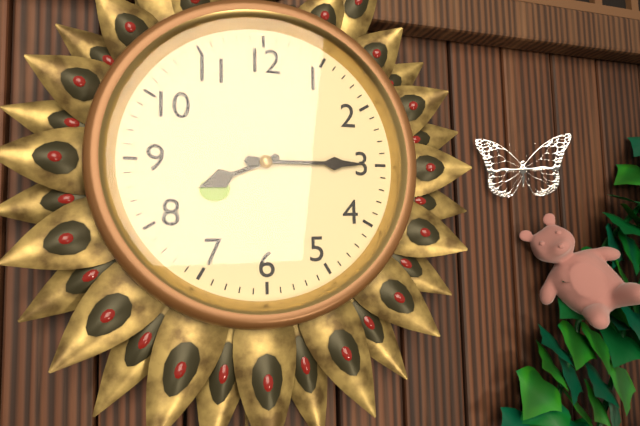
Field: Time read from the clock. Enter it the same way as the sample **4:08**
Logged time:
**8:15**
